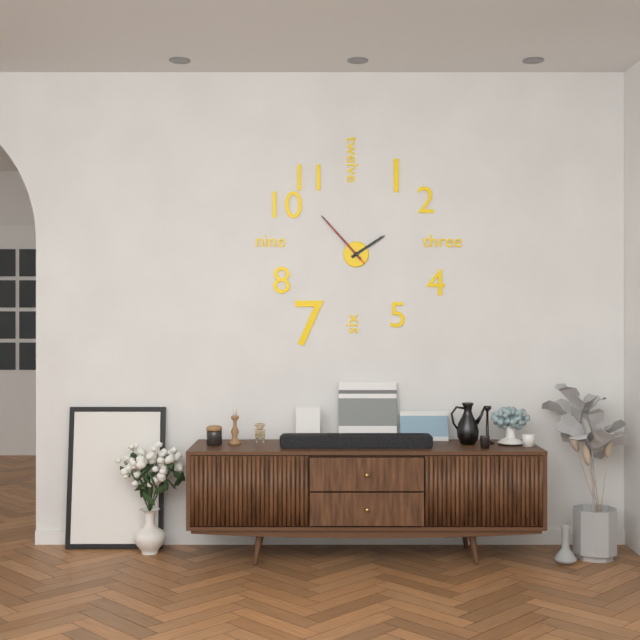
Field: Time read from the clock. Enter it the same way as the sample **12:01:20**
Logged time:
**1:53:53**
